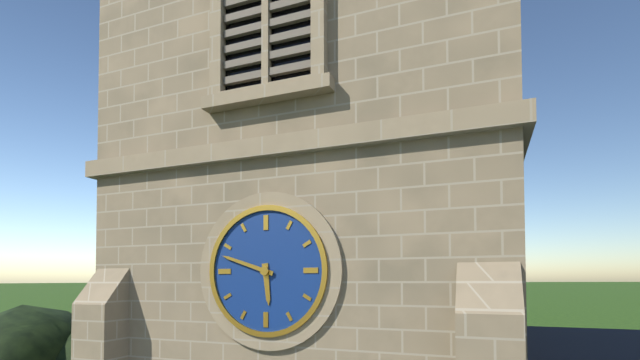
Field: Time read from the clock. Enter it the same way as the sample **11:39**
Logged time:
**5:48**
